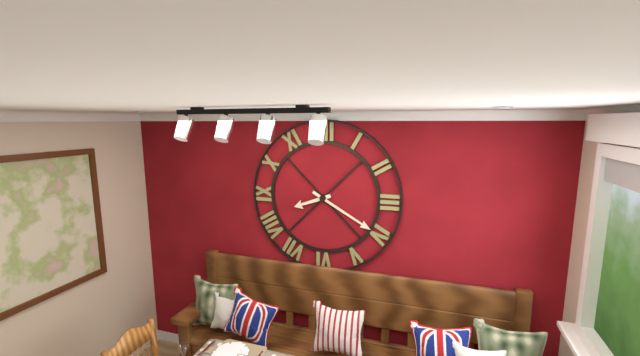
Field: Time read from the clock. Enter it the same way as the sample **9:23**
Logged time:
**8:20**
